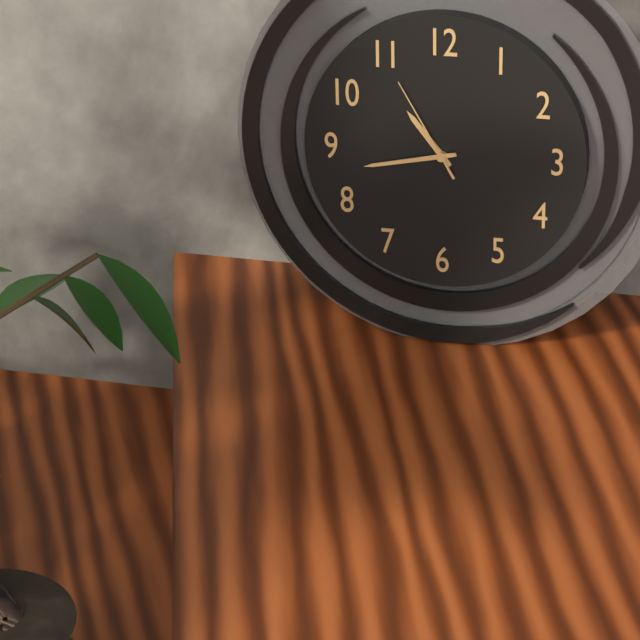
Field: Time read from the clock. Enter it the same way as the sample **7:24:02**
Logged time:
**10:43:55**
